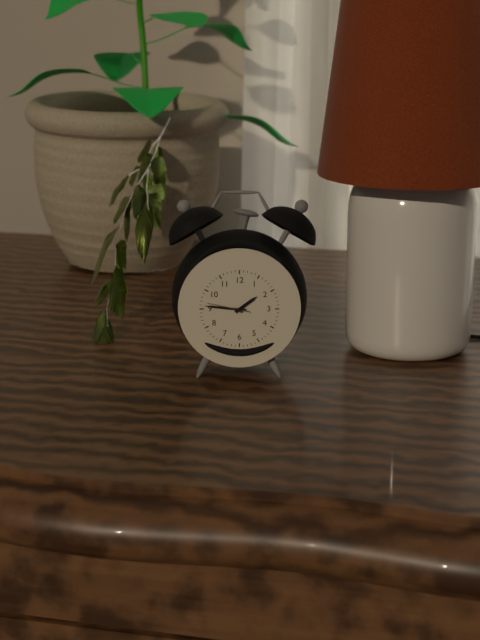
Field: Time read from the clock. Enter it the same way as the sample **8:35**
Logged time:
**1:46**
